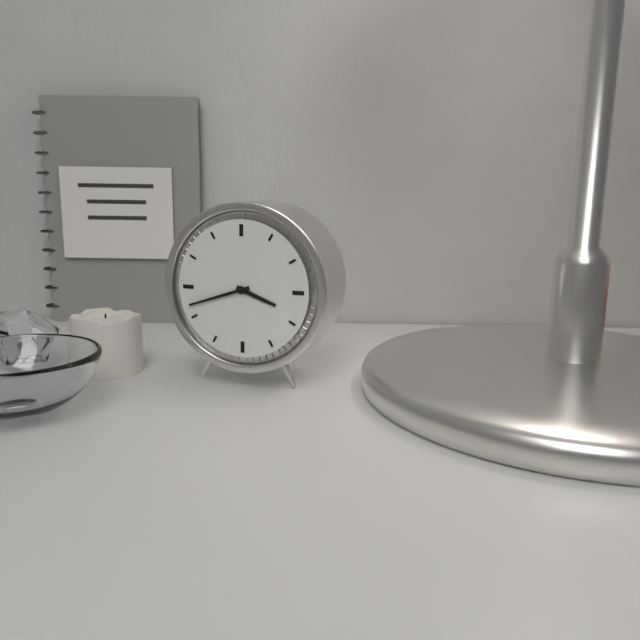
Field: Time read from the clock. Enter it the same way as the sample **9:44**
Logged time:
**3:42**
